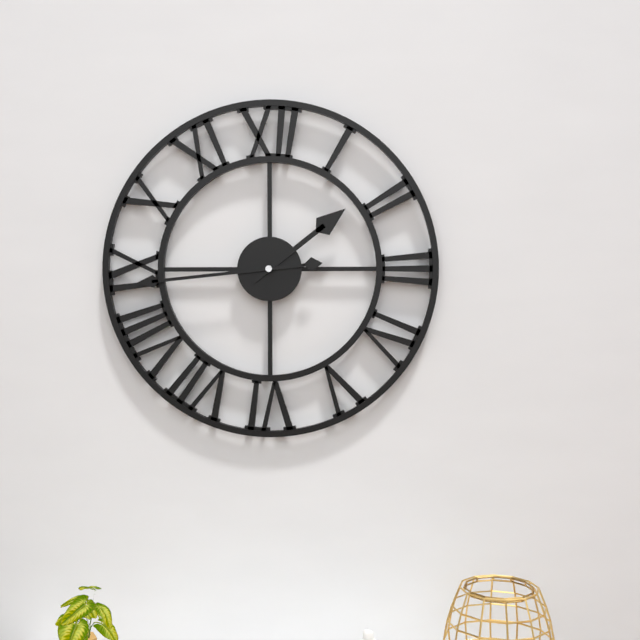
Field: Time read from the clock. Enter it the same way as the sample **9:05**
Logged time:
**1:44**
